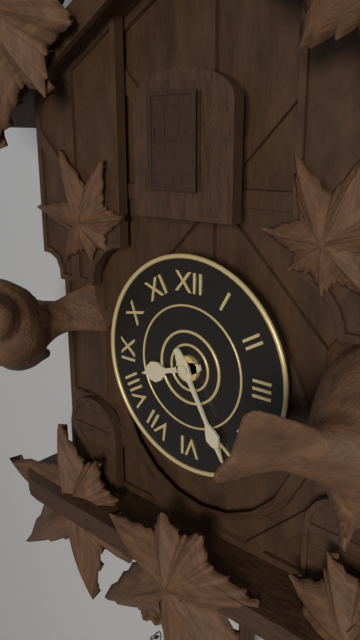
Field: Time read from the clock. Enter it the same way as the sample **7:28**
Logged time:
**8:25**
